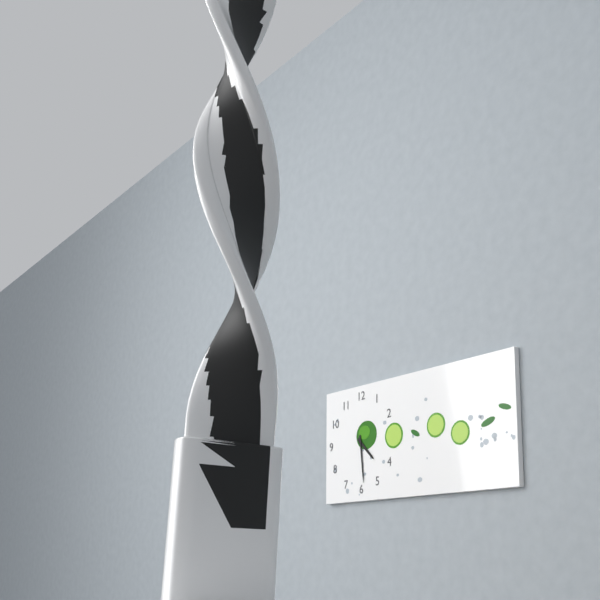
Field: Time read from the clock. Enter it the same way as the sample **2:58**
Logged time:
**4:29**
